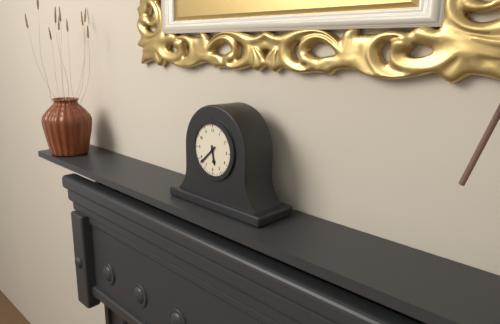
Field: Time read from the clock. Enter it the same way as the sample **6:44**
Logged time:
**5:38**
